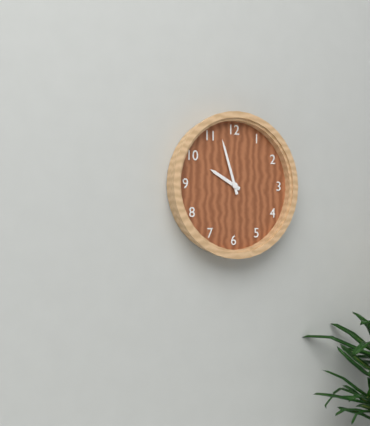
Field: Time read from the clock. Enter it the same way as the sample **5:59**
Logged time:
**9:57**
